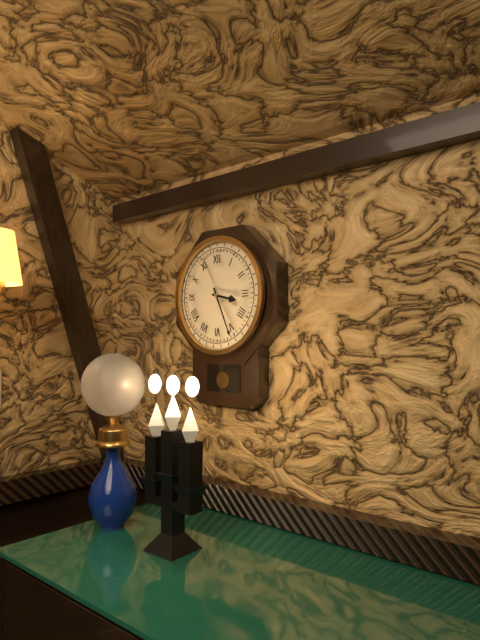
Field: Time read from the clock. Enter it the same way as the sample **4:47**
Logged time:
**3:26**
